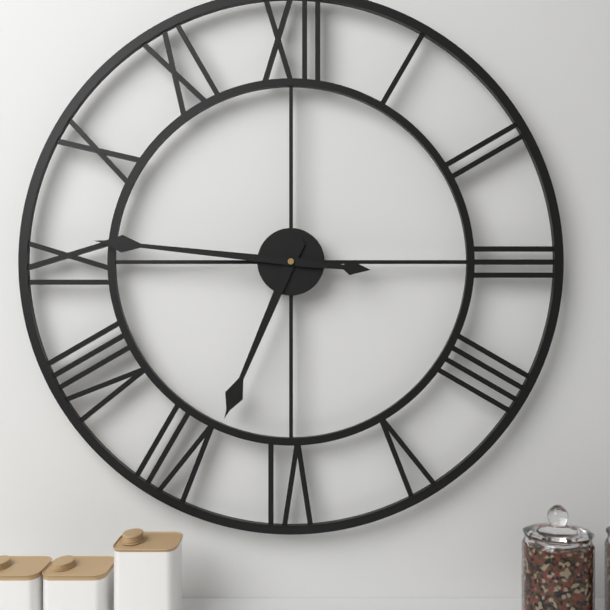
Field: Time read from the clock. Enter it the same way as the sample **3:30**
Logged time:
**6:46**
